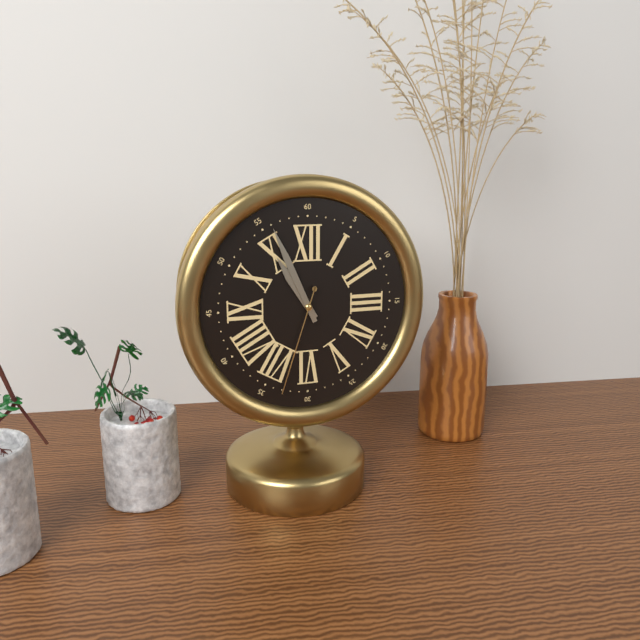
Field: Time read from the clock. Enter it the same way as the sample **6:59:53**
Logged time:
**10:56:33**
